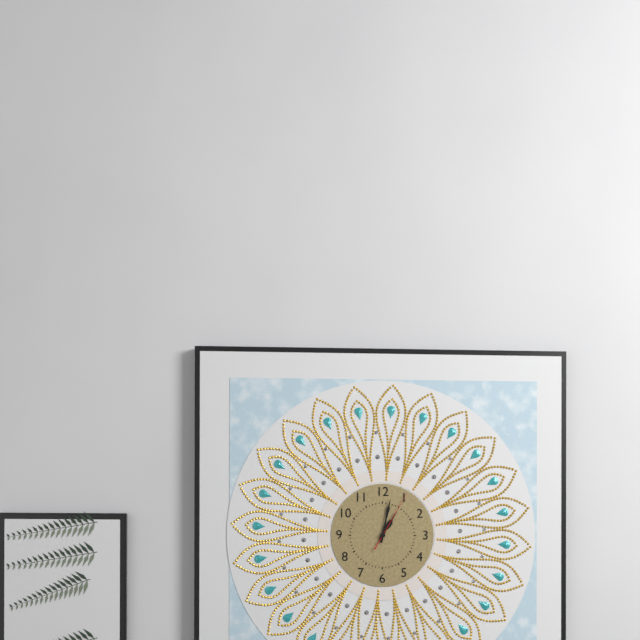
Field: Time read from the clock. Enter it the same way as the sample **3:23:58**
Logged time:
**1:02:05**
